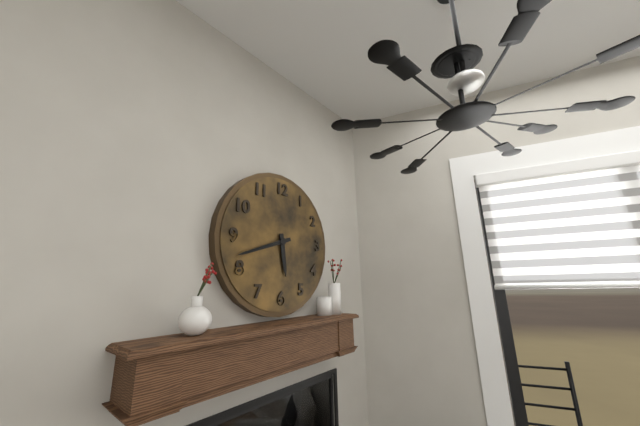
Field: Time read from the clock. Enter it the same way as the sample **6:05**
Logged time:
**5:42**
